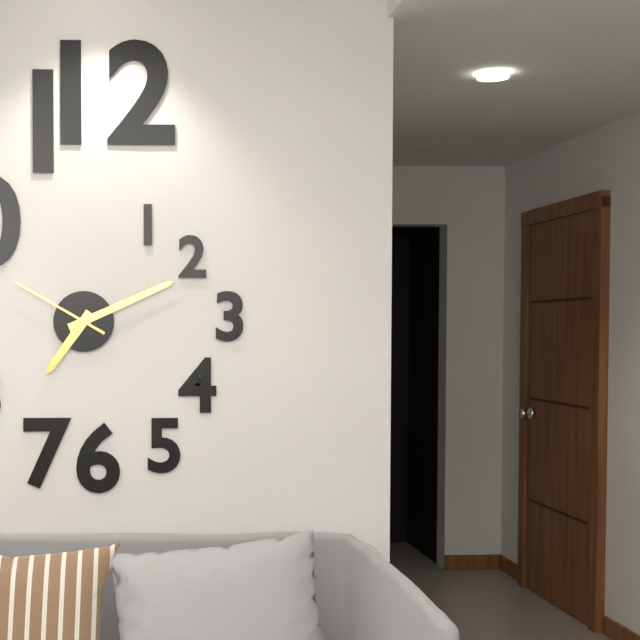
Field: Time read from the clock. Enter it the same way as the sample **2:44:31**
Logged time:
**7:11:50**
